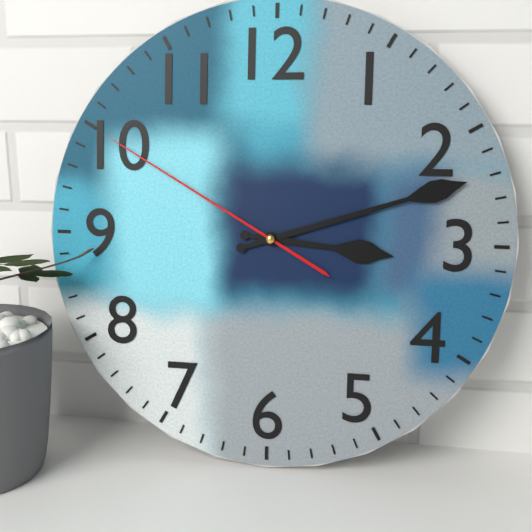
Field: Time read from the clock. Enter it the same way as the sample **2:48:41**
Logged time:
**3:12:50**
